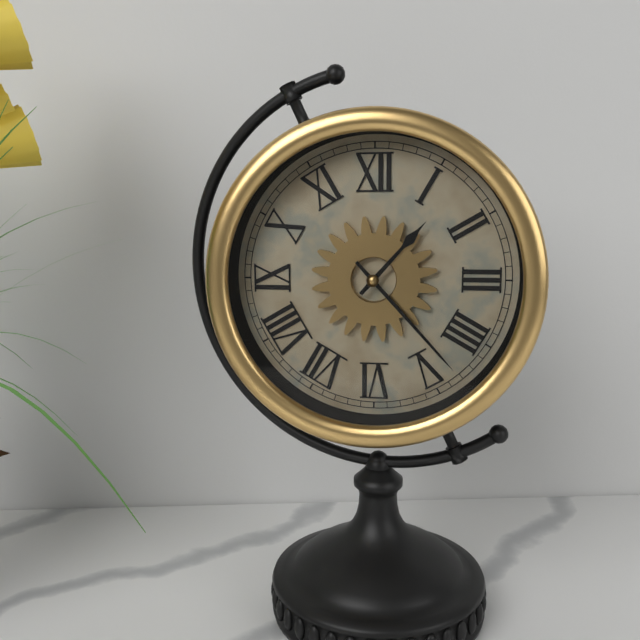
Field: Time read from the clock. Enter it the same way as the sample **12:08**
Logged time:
**1:23**
